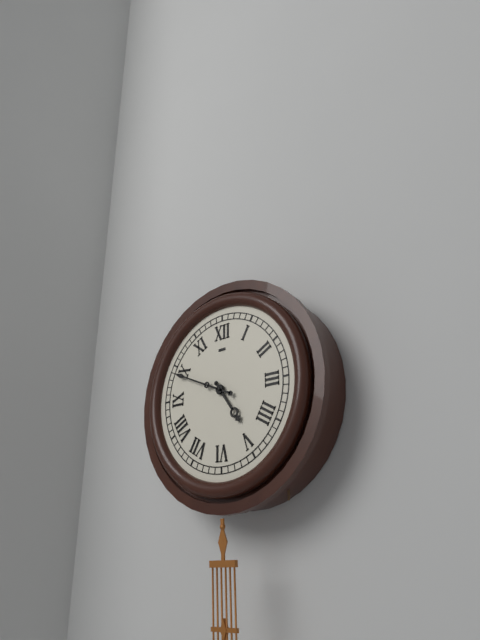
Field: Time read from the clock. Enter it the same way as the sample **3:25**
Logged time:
**4:49**
